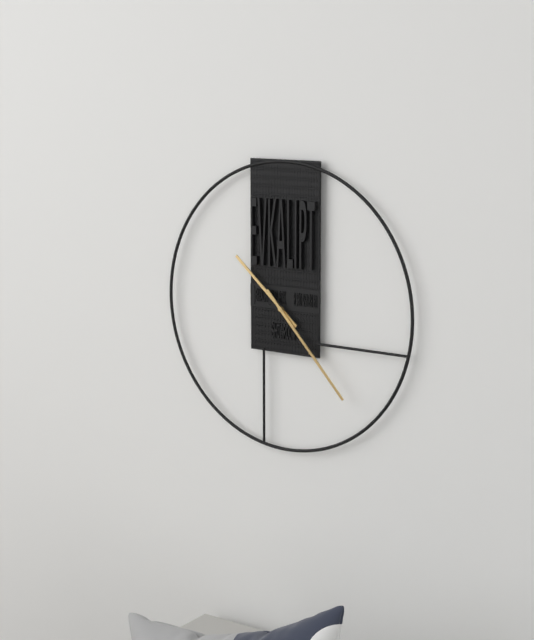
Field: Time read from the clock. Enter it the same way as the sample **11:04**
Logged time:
**10:23**
